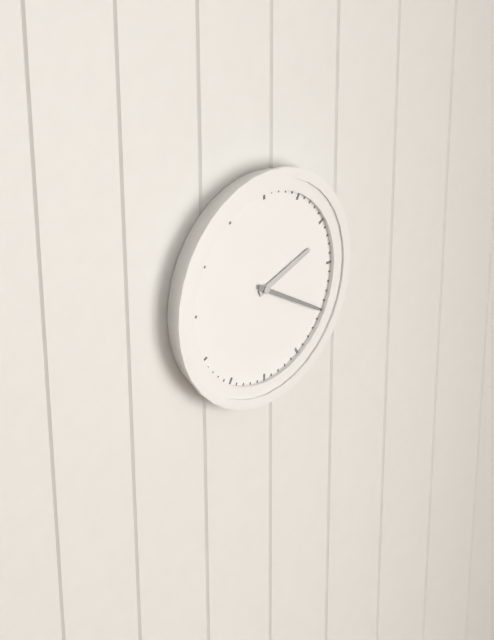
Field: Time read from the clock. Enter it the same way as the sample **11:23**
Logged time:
**2:20**
